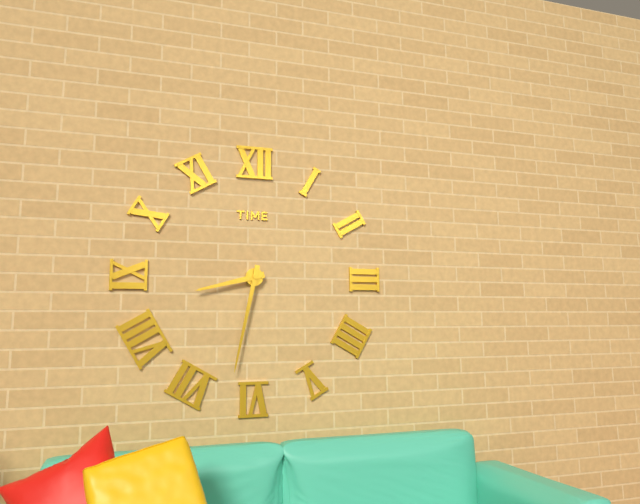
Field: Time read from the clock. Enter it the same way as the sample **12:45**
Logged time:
**8:32**
